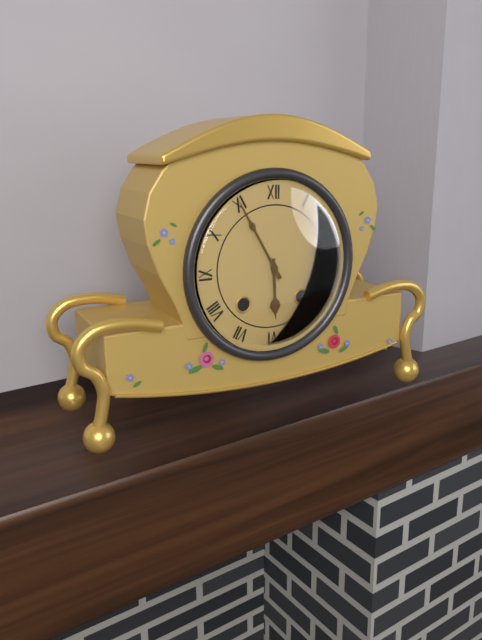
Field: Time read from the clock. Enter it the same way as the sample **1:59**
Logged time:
**5:55**
